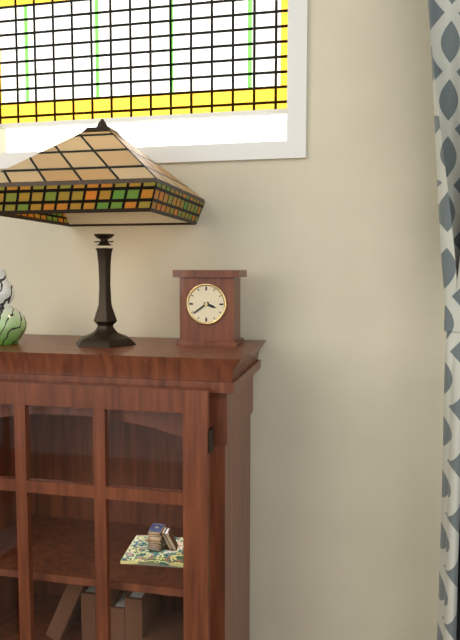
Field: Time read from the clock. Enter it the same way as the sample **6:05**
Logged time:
**3:39**
